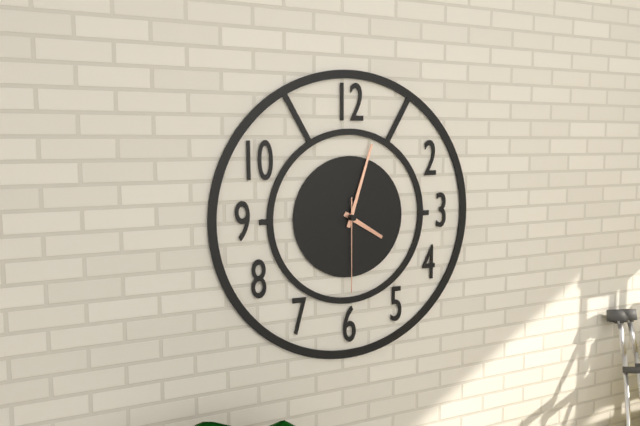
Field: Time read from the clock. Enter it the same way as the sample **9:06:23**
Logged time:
**4:03:30**
